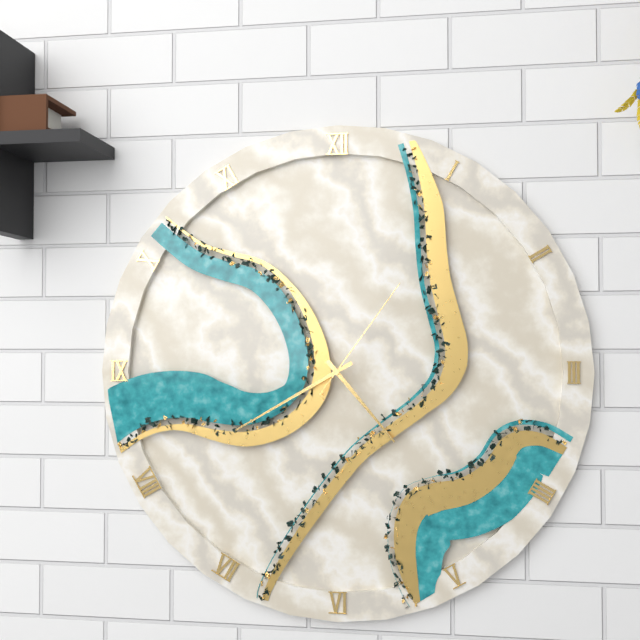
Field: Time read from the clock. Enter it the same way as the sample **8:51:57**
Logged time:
**4:40:06**
